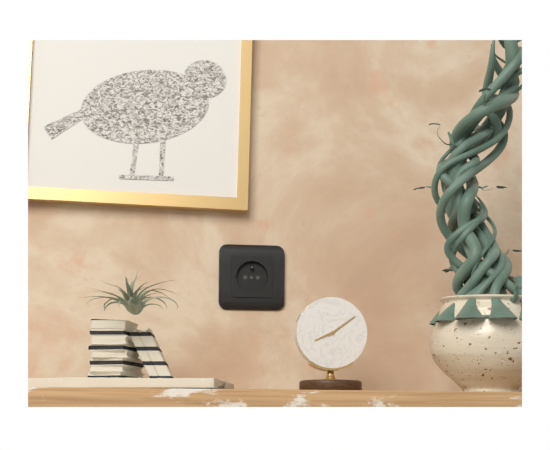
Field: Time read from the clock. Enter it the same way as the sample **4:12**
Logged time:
**8:09**
